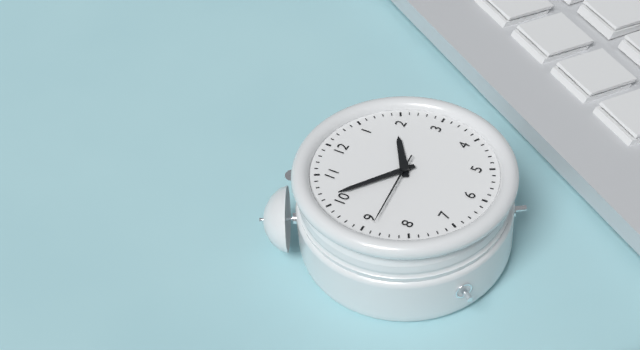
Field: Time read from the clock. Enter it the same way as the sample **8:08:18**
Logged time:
**1:51:44**
